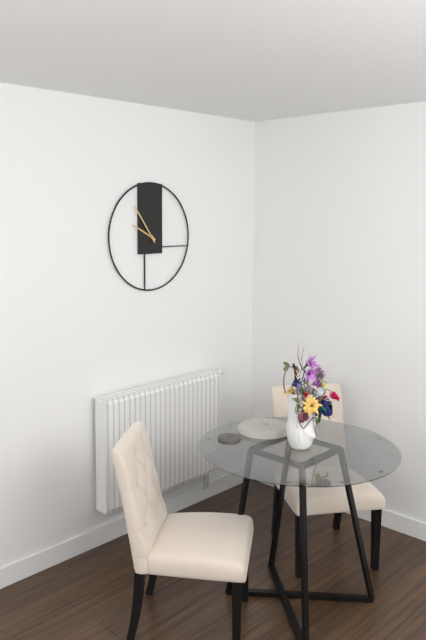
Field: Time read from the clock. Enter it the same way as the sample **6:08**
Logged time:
**9:54**
